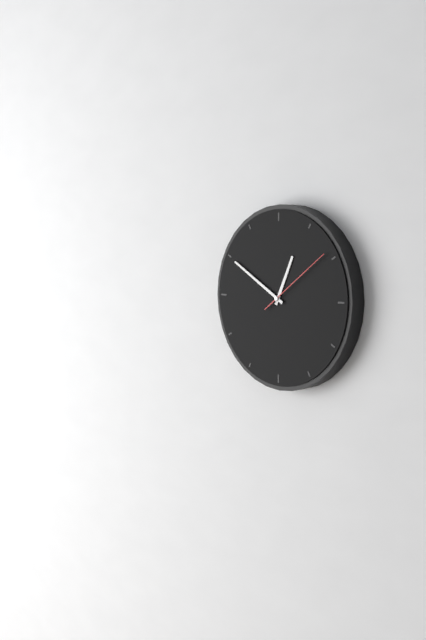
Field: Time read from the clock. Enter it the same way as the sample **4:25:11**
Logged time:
**12:50:09**
